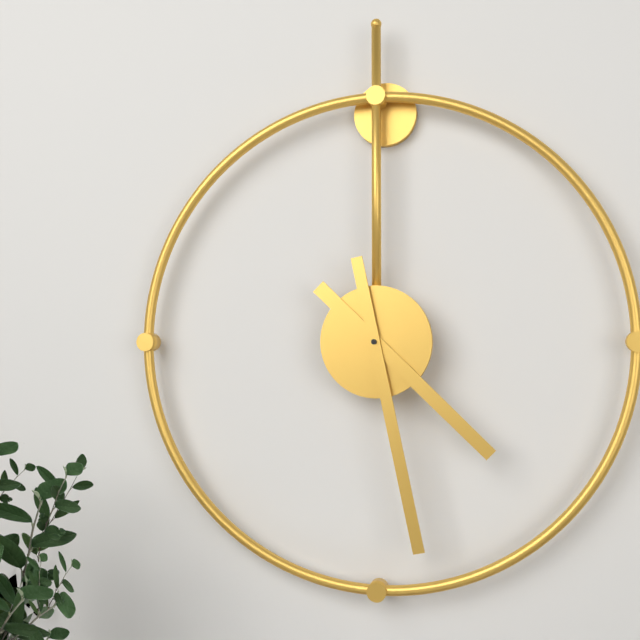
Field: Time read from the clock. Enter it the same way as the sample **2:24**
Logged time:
**4:28**
